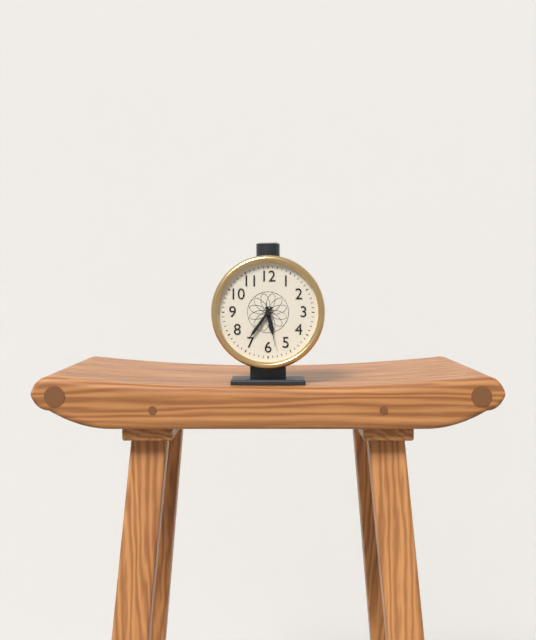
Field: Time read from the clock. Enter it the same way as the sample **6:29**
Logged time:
**5:36**
